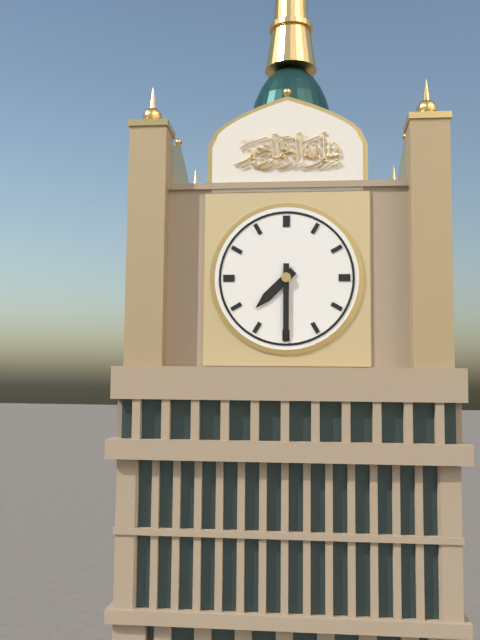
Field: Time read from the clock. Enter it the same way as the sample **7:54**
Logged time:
**7:30**
